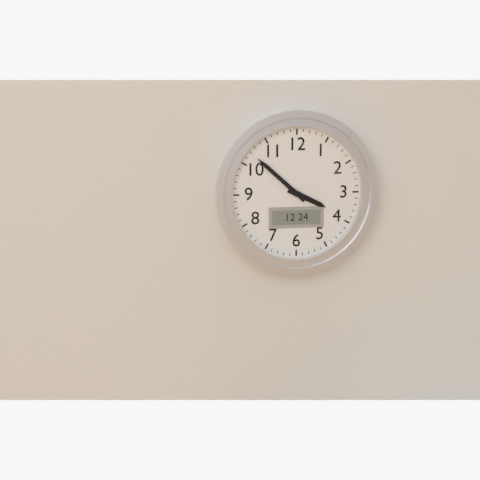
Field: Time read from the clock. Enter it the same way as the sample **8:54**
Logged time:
**3:52**
